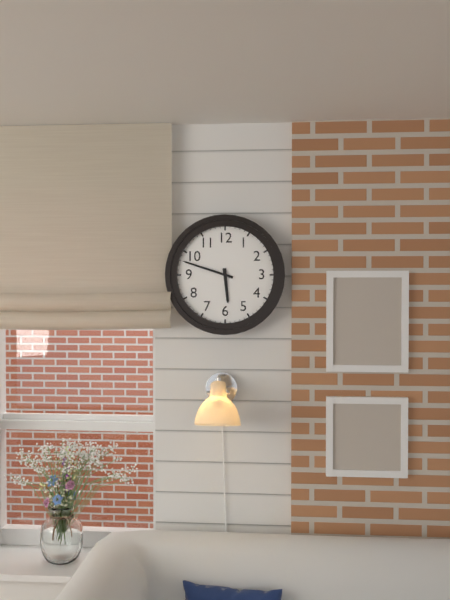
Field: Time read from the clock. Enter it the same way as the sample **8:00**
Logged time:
**5:48**
